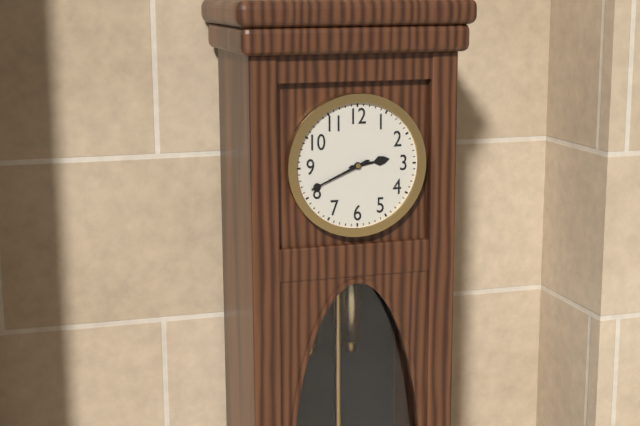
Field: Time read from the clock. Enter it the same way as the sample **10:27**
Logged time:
**2:41**
